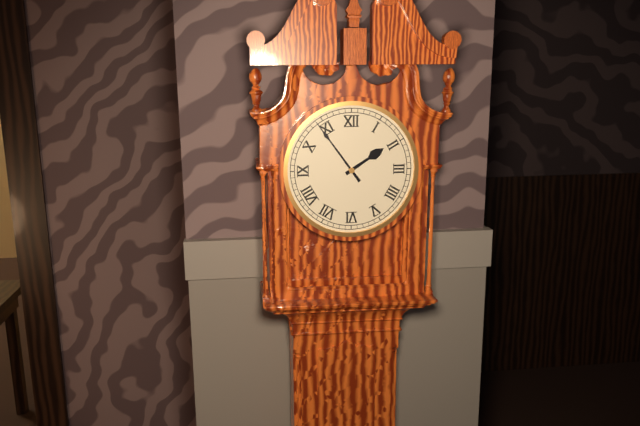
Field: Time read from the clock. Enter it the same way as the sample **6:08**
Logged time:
**1:54**
